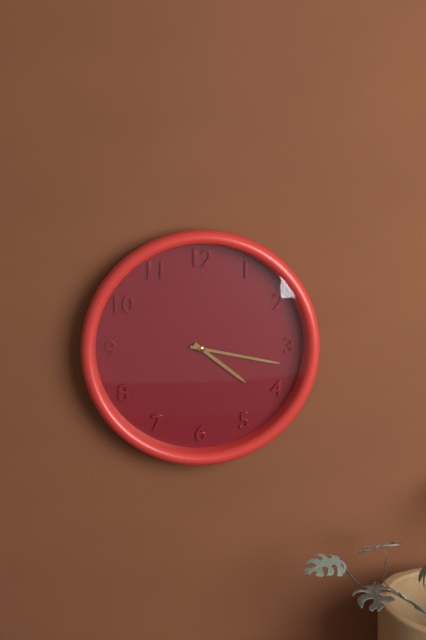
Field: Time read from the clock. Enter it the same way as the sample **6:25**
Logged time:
**4:17**
